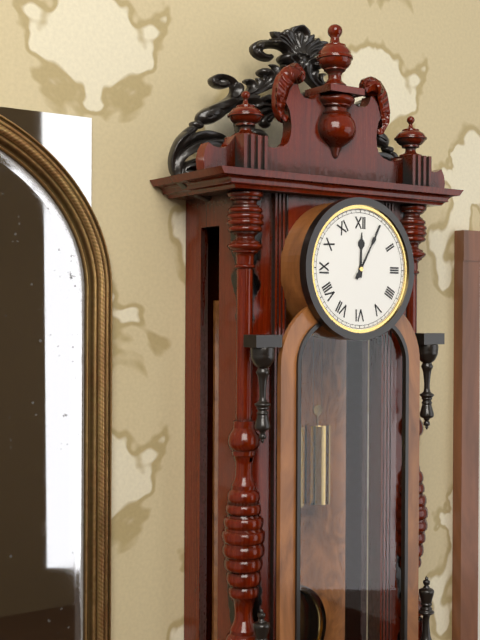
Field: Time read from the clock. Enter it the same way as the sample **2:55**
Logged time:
**12:05**
